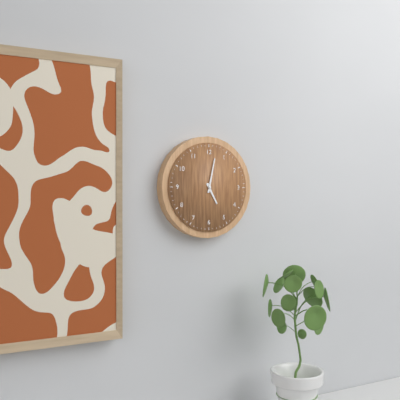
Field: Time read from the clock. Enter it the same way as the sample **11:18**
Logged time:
**5:02**
